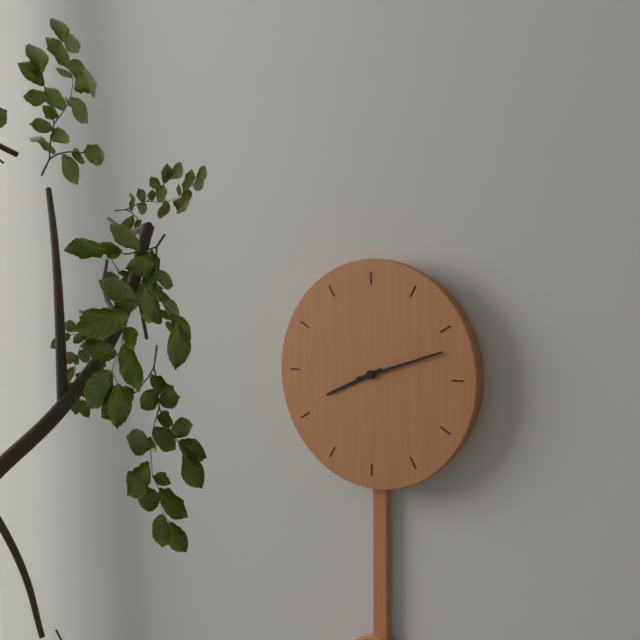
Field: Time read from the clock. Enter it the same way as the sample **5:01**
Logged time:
**8:12**
